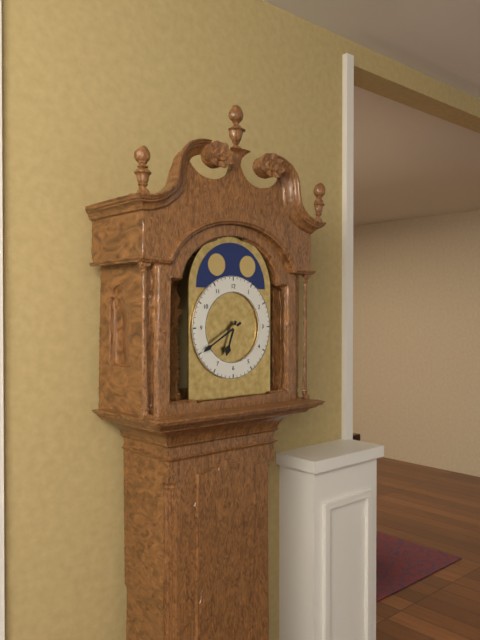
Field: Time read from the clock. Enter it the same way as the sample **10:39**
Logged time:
**6:40**
